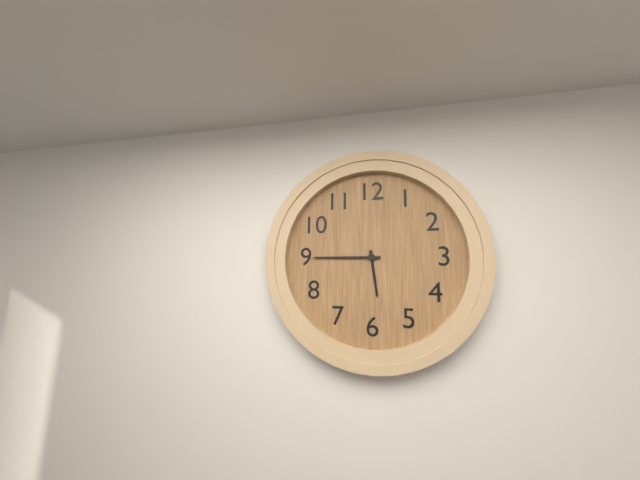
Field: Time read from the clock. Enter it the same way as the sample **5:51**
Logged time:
**5:45**
